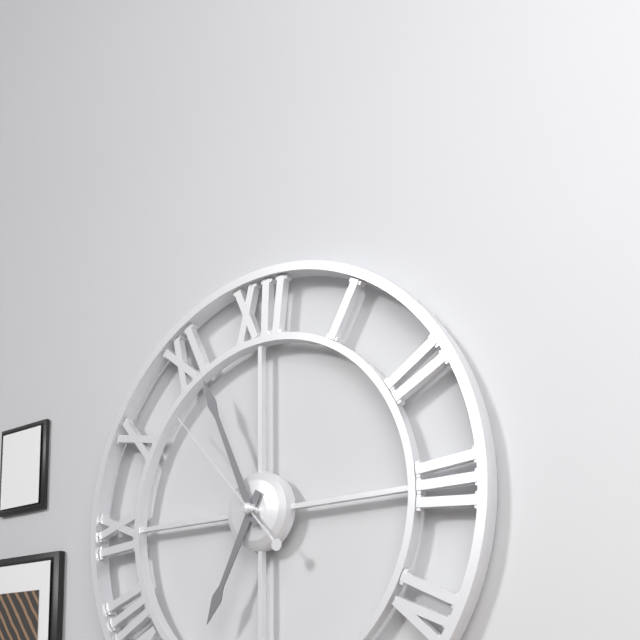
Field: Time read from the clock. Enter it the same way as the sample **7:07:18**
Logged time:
**6:56:53**
